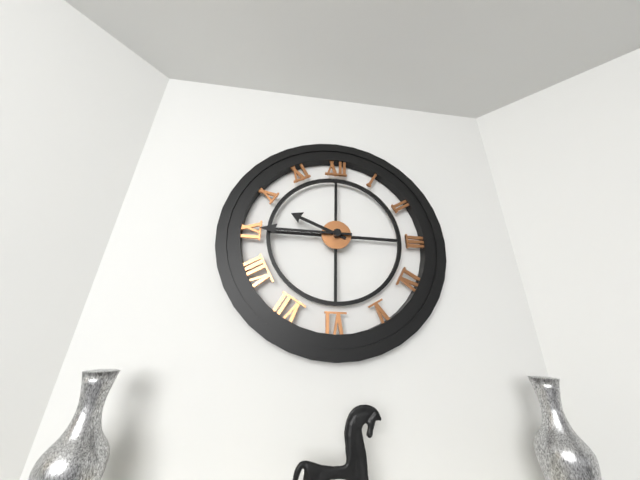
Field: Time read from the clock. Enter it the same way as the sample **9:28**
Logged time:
**9:45**
